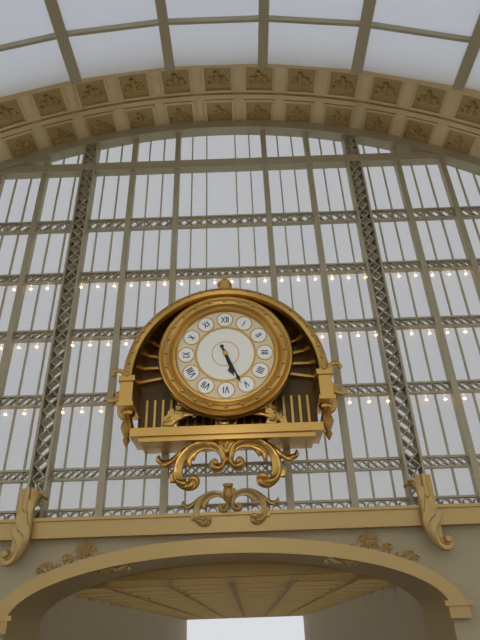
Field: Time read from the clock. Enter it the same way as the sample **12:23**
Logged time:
**5:26**
